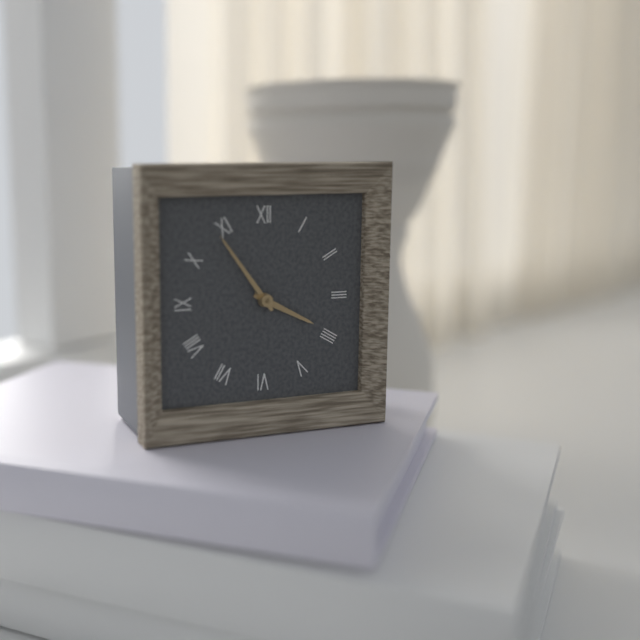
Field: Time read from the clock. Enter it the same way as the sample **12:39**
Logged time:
**3:54**
